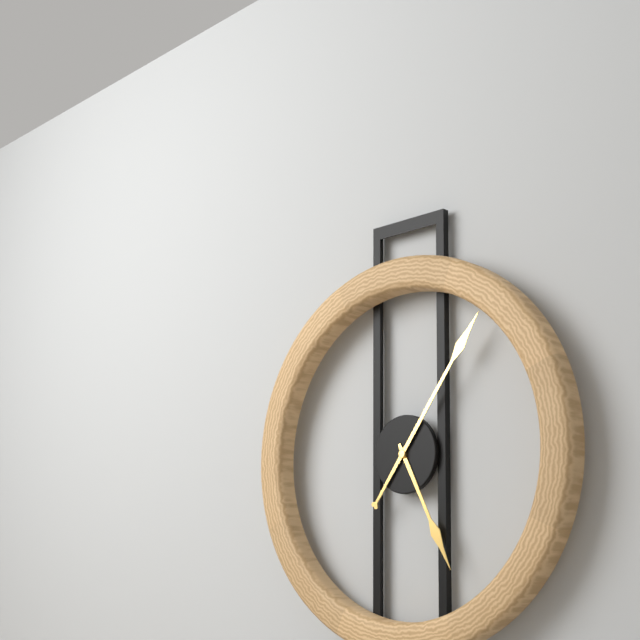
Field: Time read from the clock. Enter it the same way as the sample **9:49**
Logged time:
**5:06**
